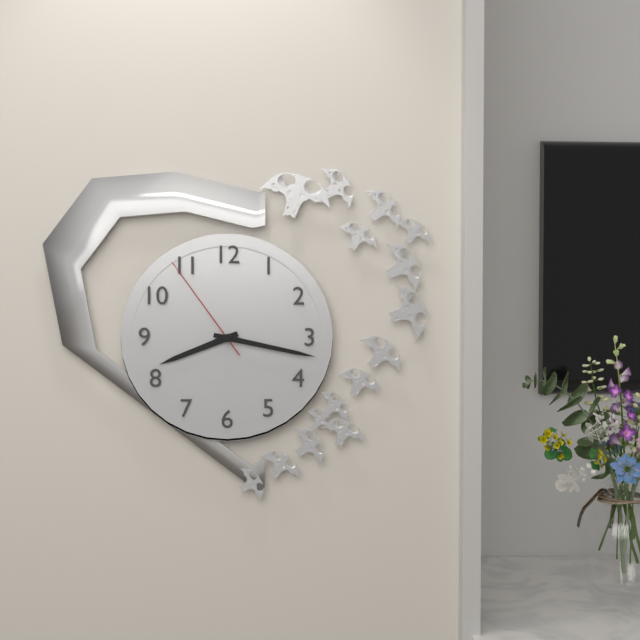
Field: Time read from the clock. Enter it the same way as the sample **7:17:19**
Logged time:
**8:17:54**
